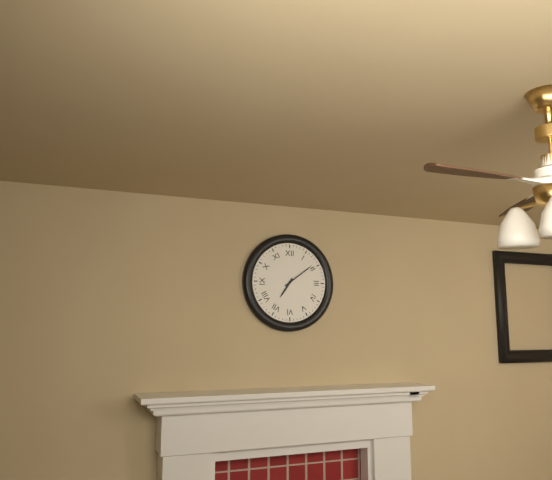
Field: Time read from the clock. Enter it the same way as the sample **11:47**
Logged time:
**7:09**
